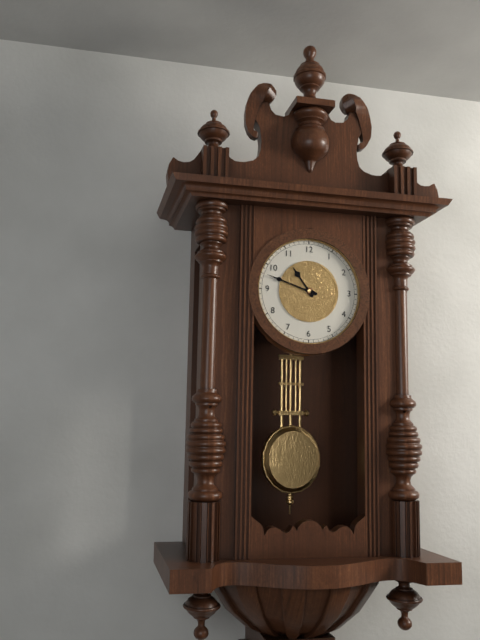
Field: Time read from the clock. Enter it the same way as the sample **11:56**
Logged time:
**10:48**
